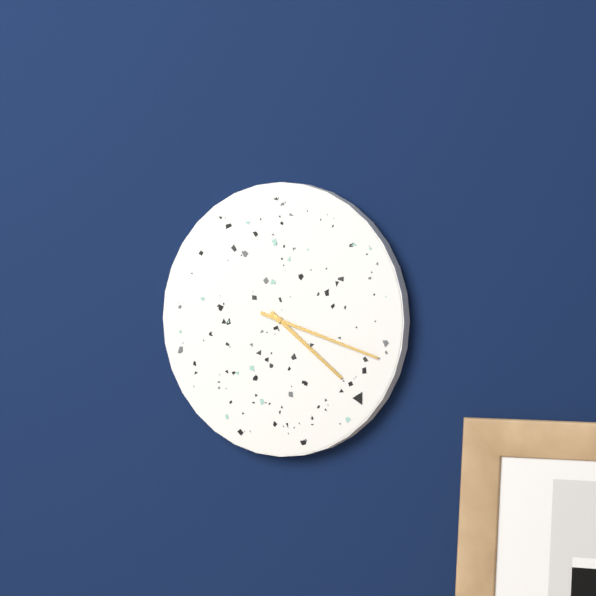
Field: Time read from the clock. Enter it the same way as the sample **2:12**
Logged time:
**4:18**
